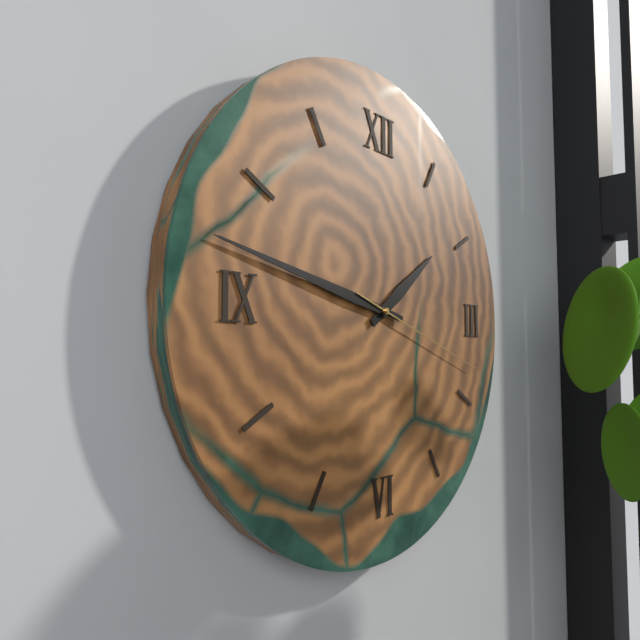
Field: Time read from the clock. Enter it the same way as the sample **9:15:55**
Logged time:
**1:47:18**
